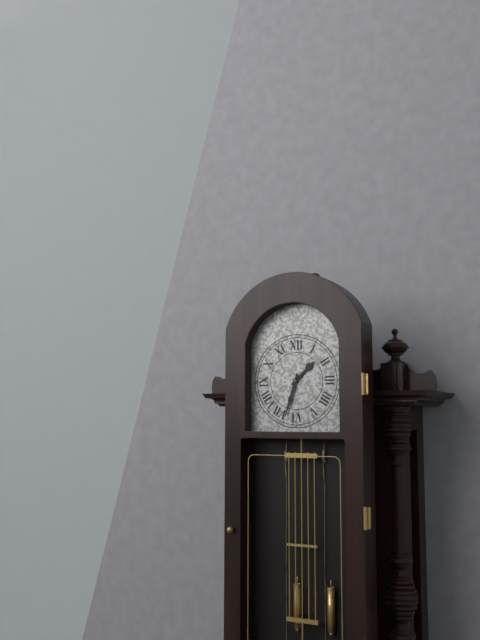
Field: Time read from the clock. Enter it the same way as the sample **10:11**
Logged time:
**1:33**
